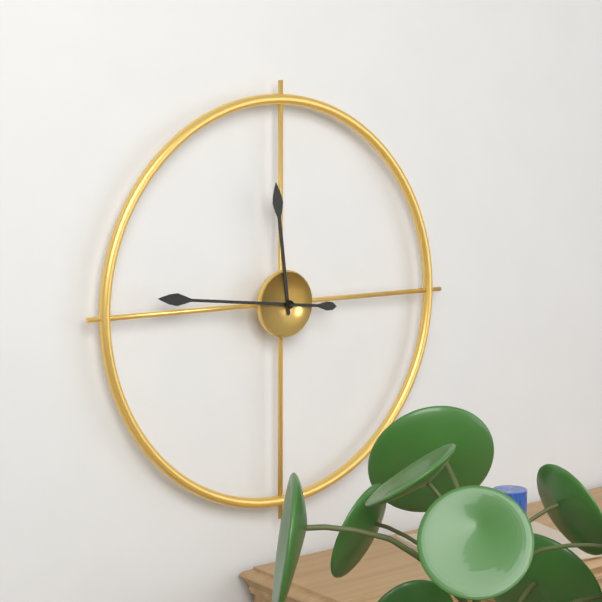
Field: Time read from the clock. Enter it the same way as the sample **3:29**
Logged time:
**11:46**
